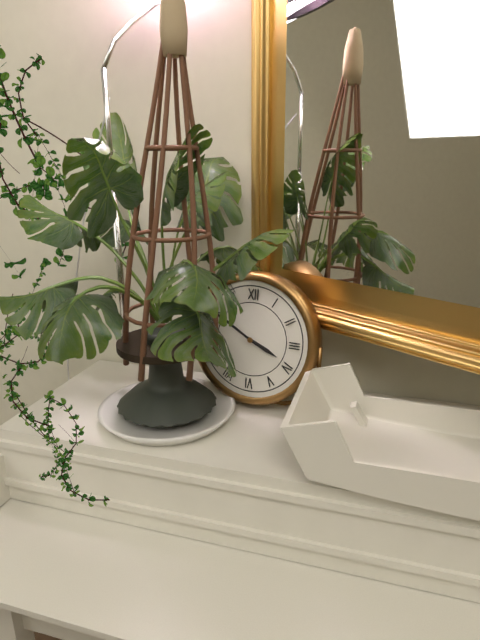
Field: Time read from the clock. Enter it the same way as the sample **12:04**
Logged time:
**3:50**
